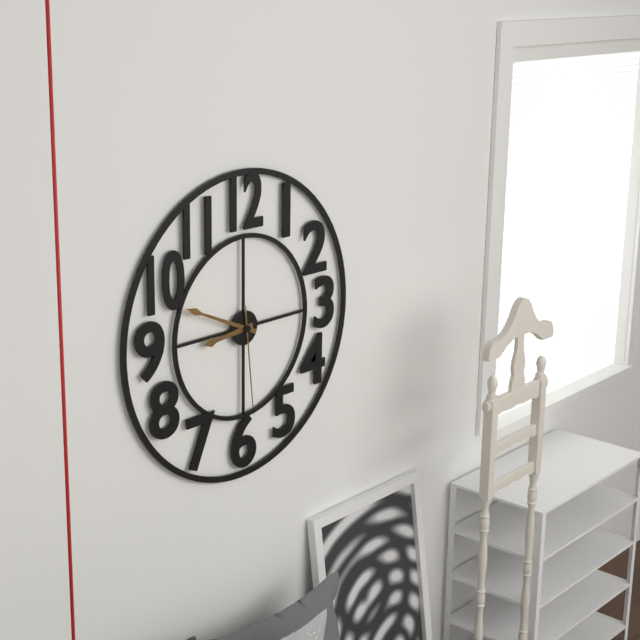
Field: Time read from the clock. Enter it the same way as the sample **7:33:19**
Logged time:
**8:49:29**
